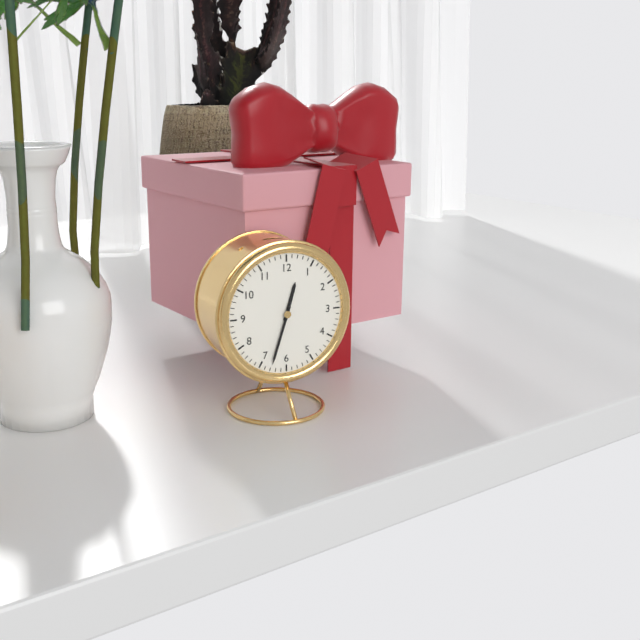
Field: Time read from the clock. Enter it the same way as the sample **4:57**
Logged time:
**12:33**
